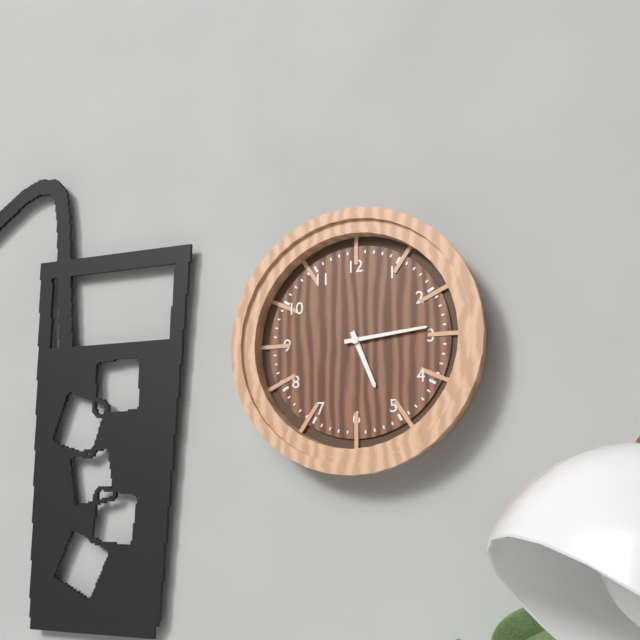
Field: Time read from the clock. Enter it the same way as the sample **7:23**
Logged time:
**5:14**
